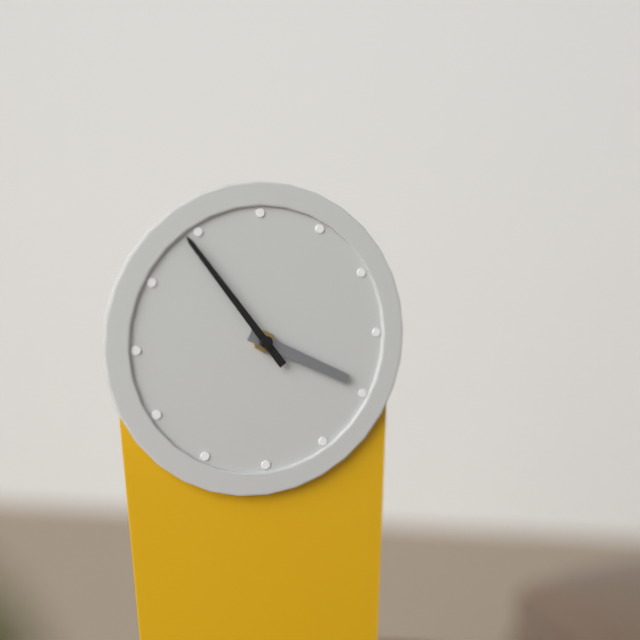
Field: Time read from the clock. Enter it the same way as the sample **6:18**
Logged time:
**3:54**
